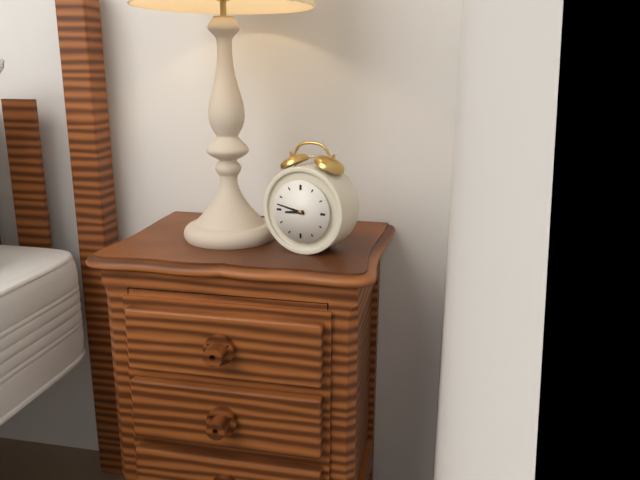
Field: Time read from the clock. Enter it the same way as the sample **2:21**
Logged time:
**8:47**
